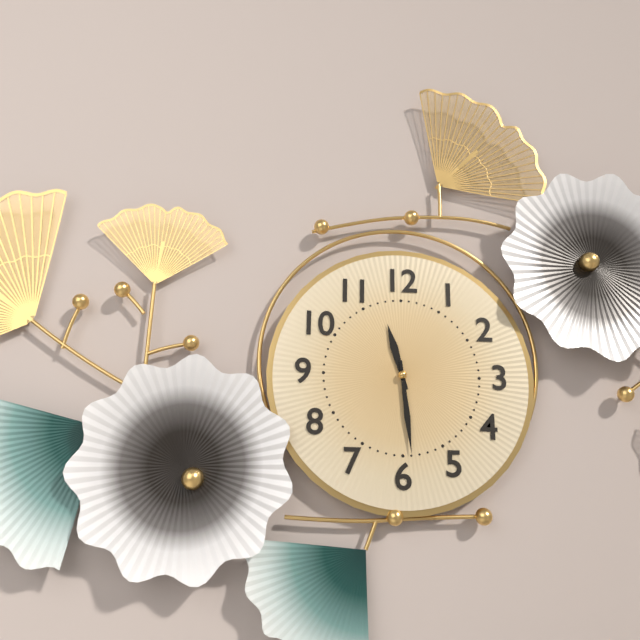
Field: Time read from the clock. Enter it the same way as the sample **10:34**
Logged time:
**11:29**
